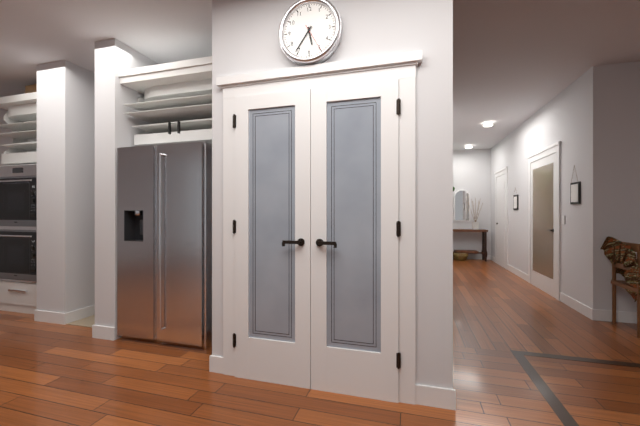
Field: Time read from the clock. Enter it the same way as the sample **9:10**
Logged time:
**5:36**
